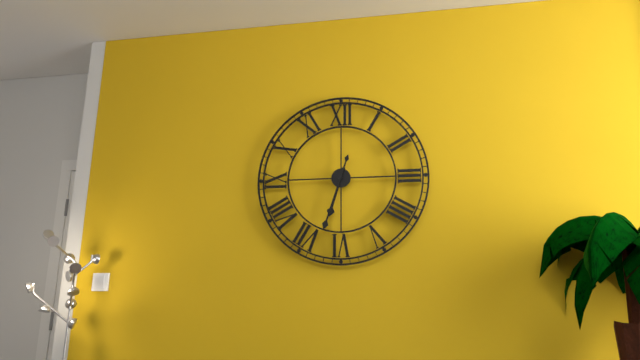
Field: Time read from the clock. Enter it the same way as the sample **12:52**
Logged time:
**6:33**
